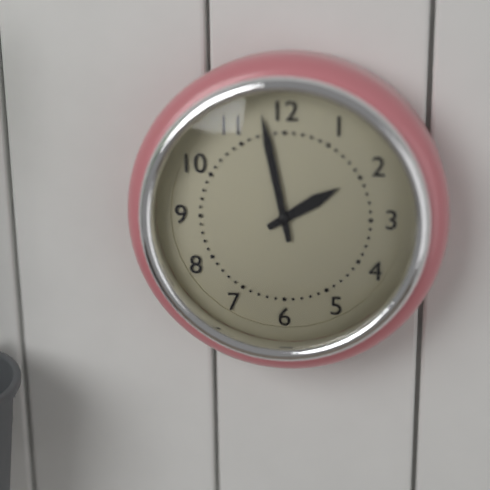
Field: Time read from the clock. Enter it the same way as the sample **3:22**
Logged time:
**1:58**
